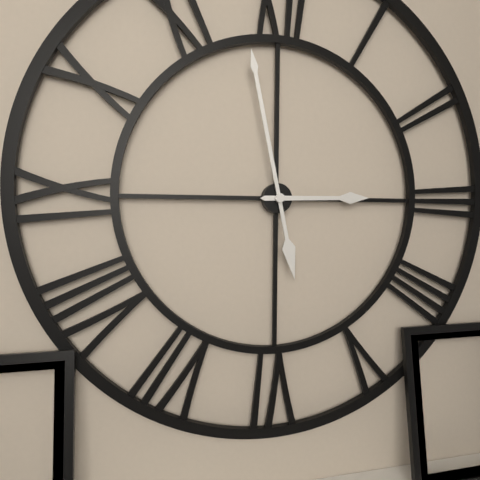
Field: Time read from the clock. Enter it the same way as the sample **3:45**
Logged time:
**2:58**
